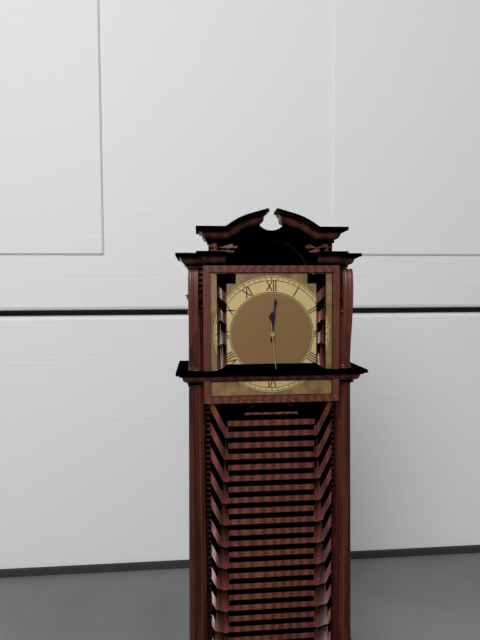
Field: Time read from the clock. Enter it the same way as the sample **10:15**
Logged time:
**12:01**
